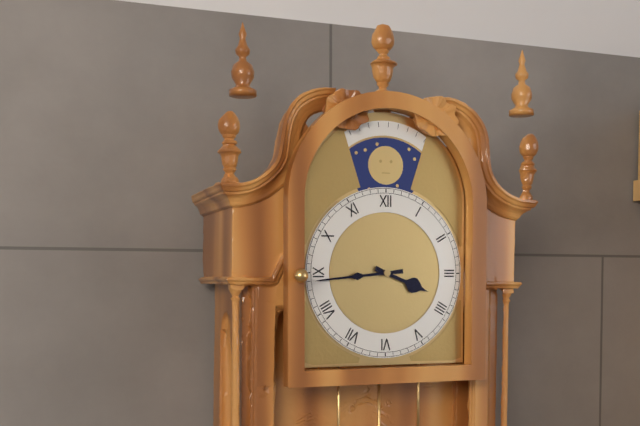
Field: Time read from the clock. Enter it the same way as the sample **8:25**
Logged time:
**3:44**
